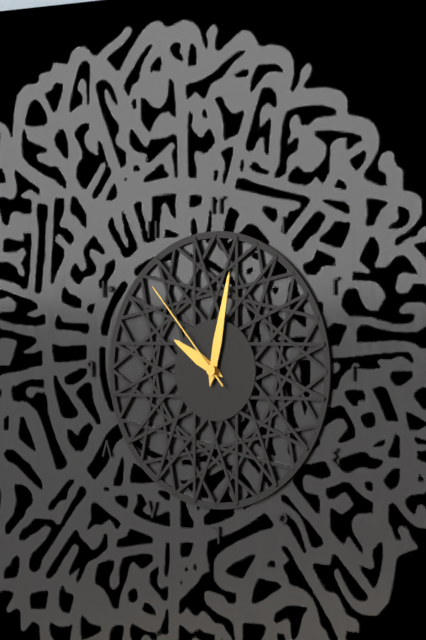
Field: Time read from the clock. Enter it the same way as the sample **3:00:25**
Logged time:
**10:02:53**
